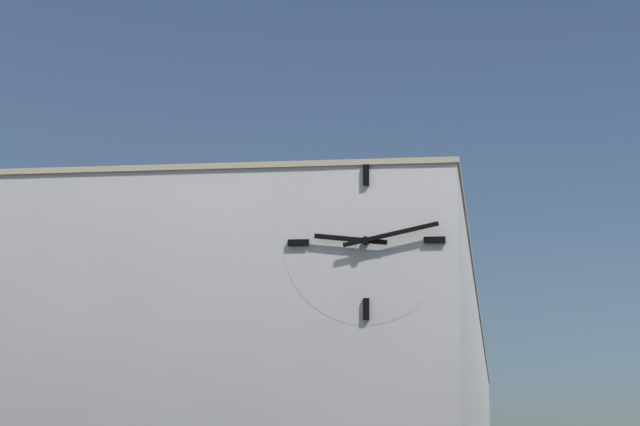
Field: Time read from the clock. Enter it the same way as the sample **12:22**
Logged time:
**9:13**
